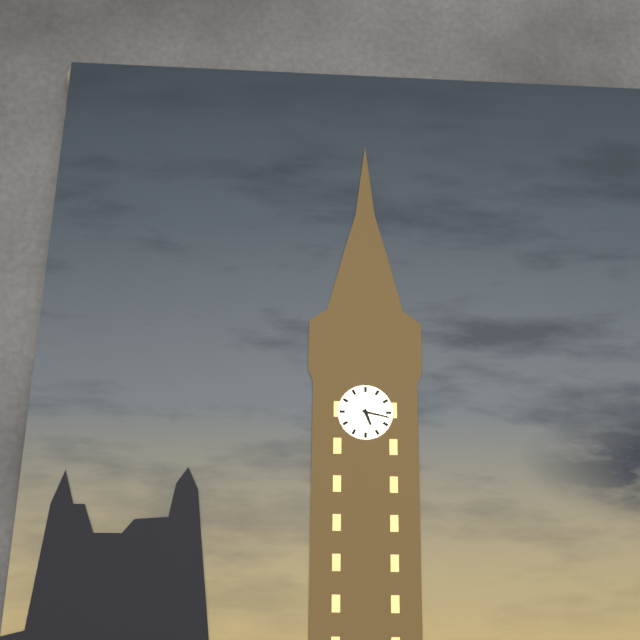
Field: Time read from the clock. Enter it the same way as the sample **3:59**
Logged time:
**5:17**
